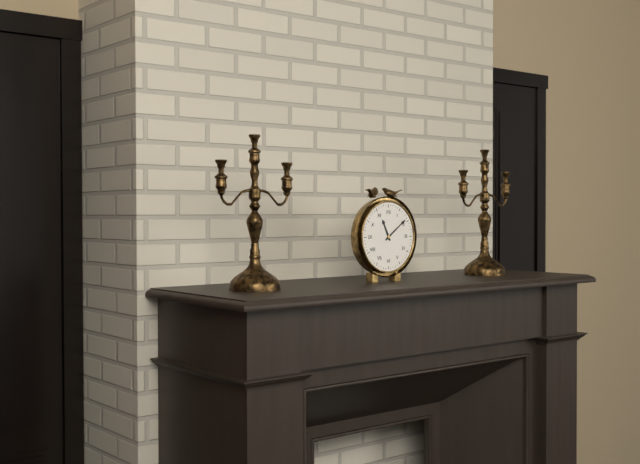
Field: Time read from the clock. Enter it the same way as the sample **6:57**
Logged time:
**11:09**
